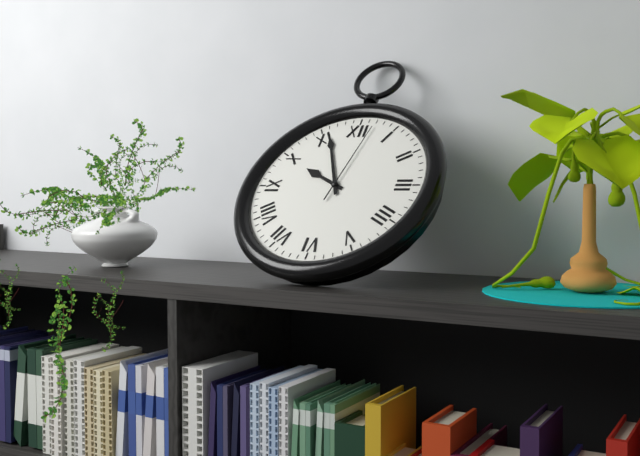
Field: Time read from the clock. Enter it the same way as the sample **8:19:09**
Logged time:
**9:56:02**
